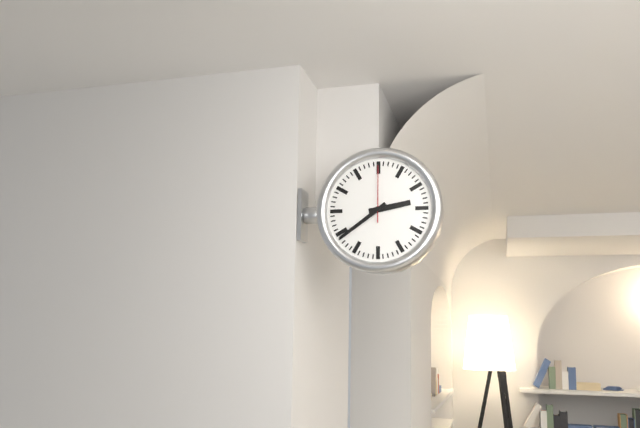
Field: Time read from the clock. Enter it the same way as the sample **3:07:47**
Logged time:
**2:39:00**
